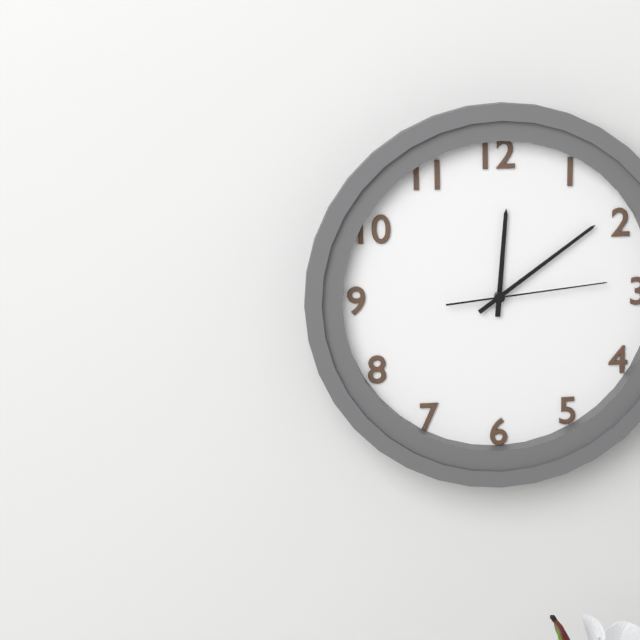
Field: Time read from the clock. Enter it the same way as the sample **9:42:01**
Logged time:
**12:09:14**
